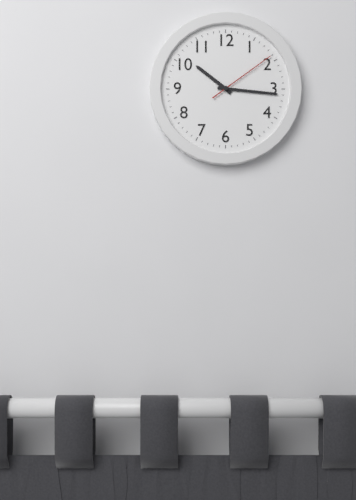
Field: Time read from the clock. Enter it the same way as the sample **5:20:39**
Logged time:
**10:16:09**
